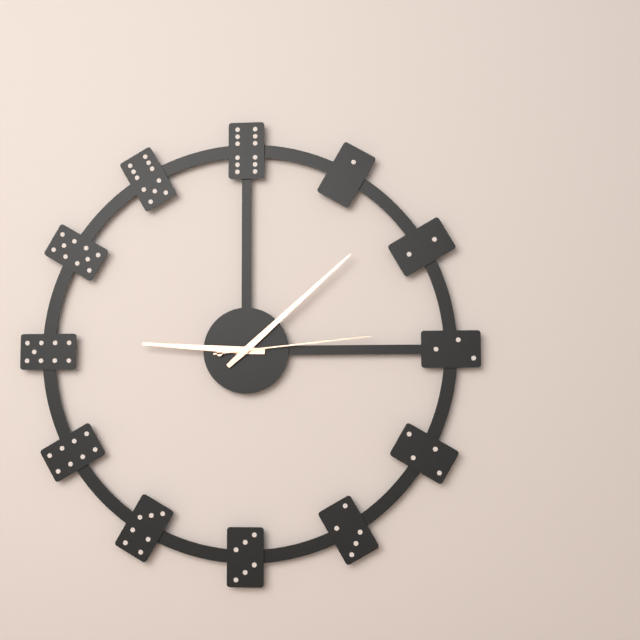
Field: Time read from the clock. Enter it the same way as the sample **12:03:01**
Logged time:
**9:08:14**
